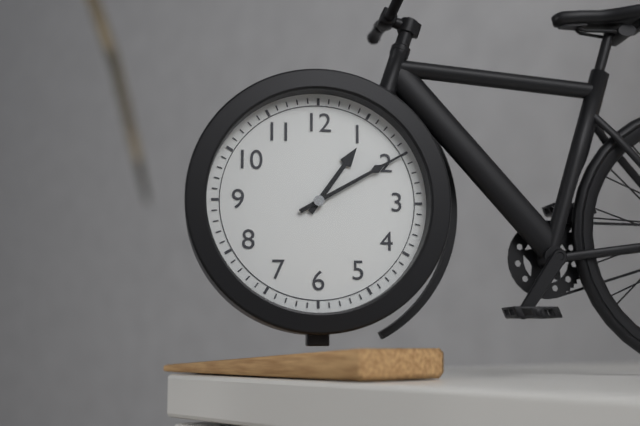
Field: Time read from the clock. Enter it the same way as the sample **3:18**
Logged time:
**1:10**
